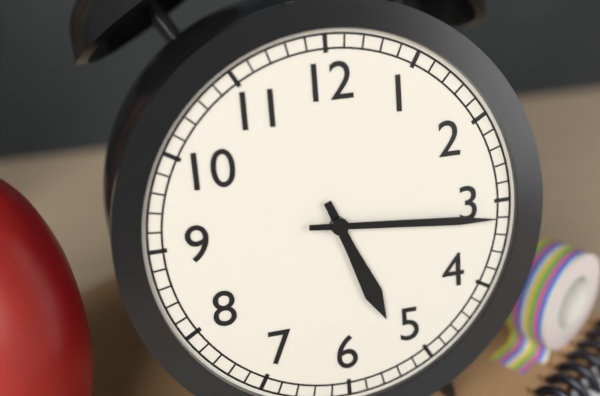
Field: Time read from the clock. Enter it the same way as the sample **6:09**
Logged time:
**5:16**
